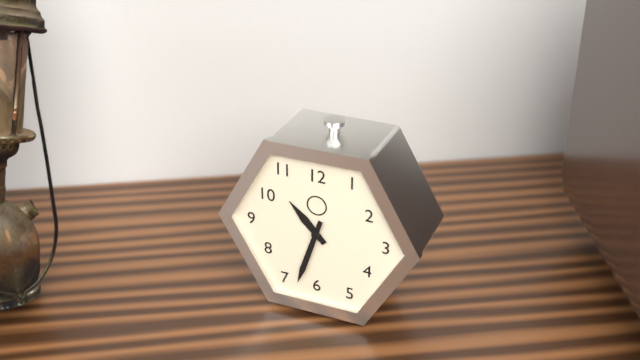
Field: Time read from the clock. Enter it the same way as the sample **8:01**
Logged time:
**10:33**
